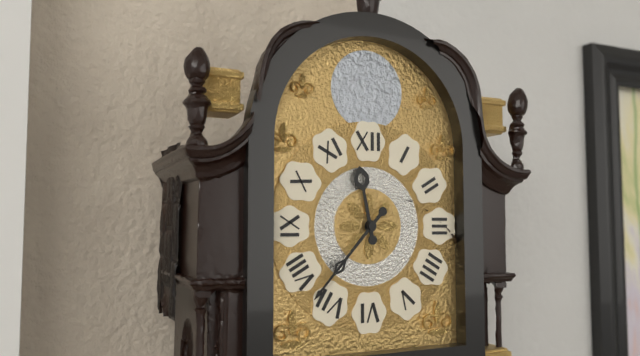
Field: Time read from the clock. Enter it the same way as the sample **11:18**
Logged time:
**11:37**
